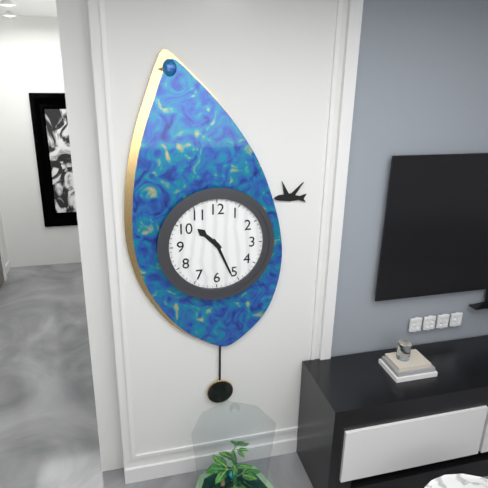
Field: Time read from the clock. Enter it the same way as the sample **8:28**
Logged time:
**10:26**
